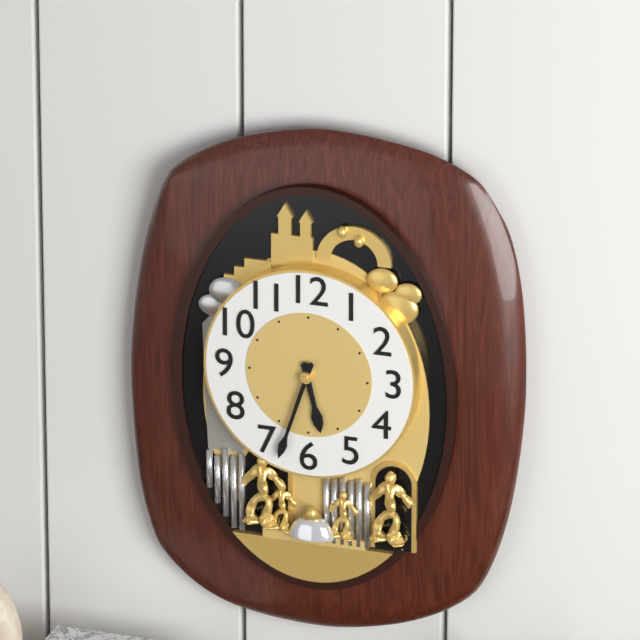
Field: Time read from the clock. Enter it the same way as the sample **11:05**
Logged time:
**5:33**
